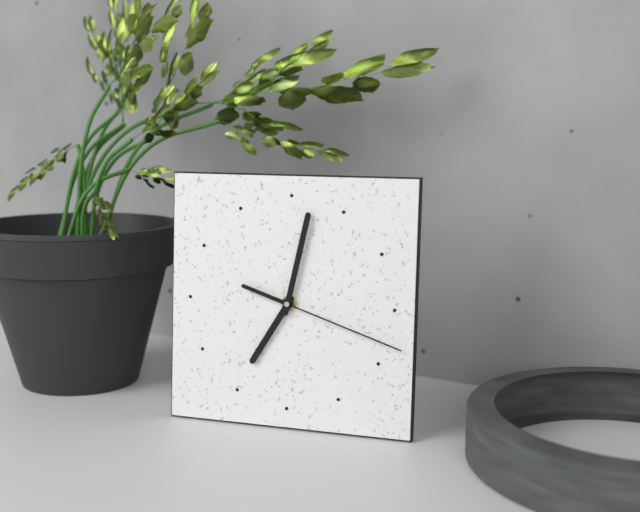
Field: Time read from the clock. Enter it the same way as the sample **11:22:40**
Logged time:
**7:02:18**
